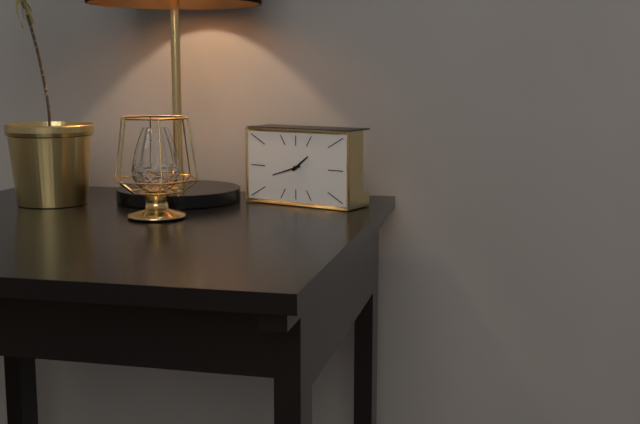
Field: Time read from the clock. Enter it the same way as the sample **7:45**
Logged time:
**1:42**
